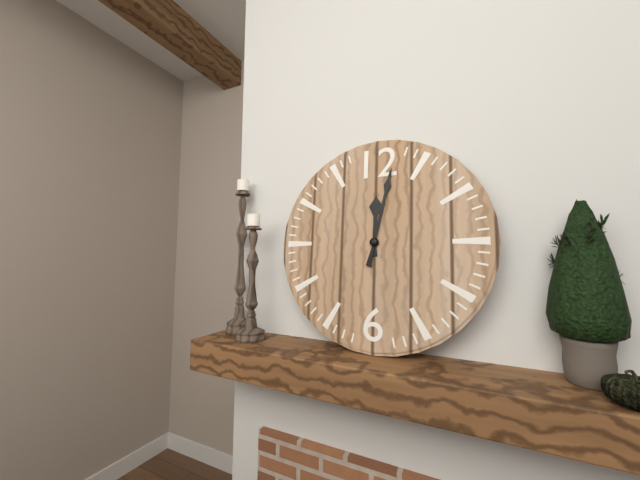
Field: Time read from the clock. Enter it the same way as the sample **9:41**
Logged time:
**12:02**
